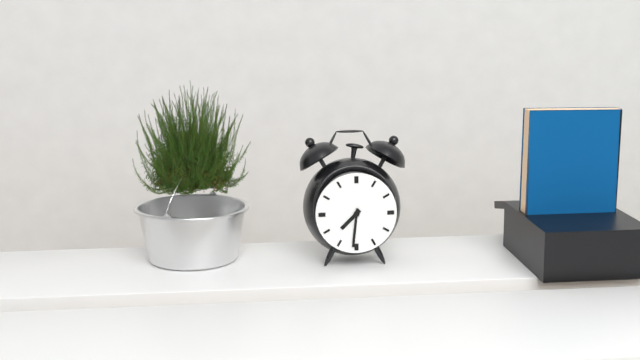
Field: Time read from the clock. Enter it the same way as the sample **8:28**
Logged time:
**7:31**
